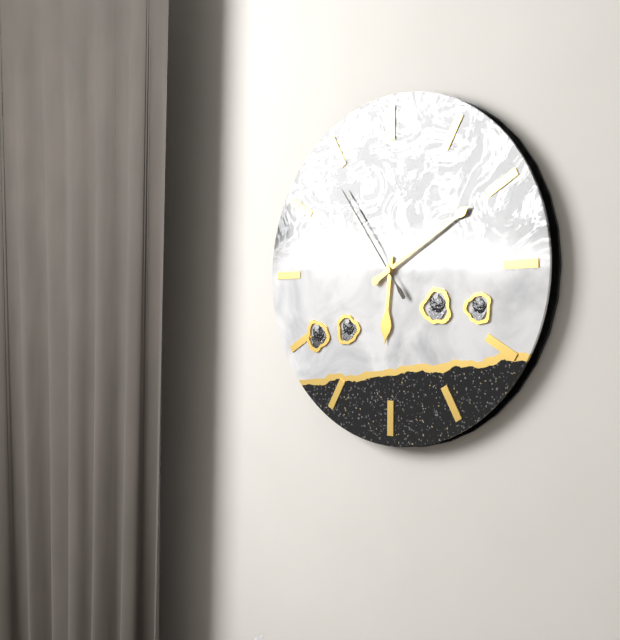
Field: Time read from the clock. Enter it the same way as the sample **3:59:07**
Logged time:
**6:10:54**
